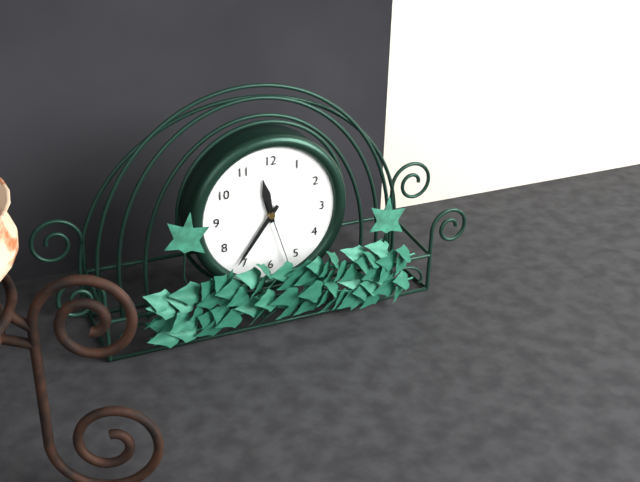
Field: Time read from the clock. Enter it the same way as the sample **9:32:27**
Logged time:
**11:36:27**
